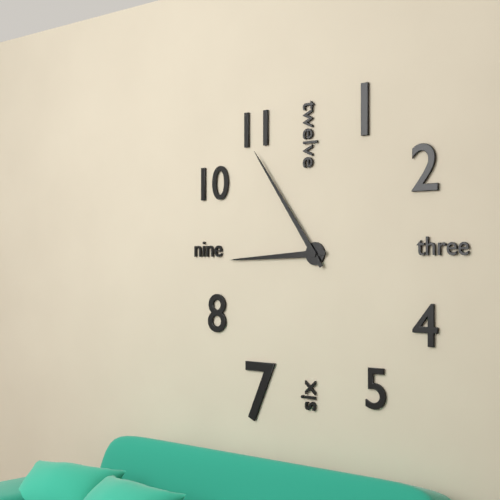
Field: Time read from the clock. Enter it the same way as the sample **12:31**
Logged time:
**8:54**
